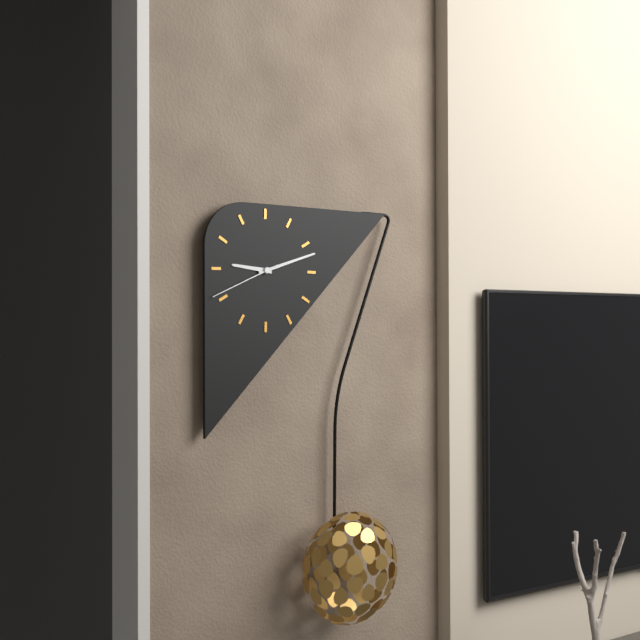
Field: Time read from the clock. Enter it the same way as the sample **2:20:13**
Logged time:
**9:12:41**
